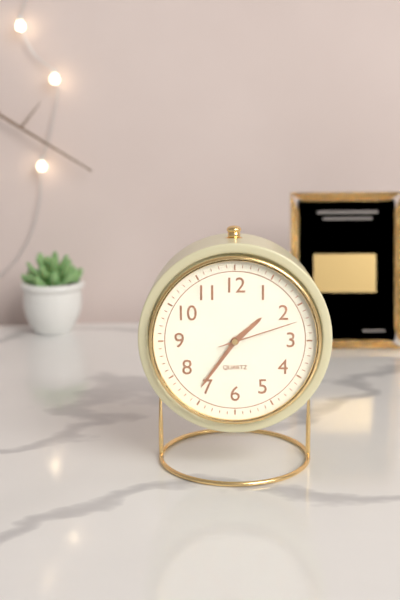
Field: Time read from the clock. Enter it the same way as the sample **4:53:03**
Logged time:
**1:36:12**
